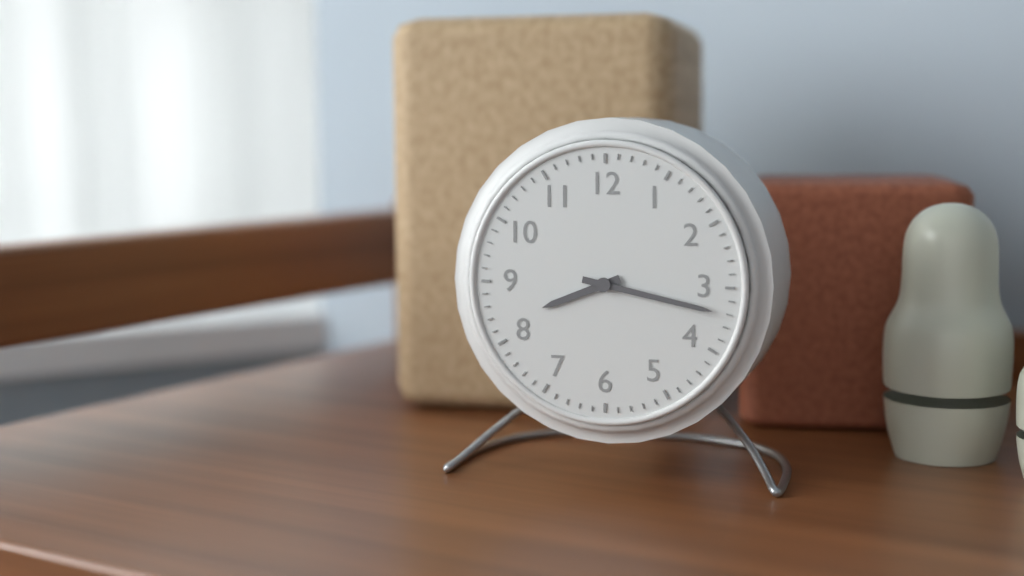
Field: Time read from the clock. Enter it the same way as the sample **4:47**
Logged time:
**8:17**
